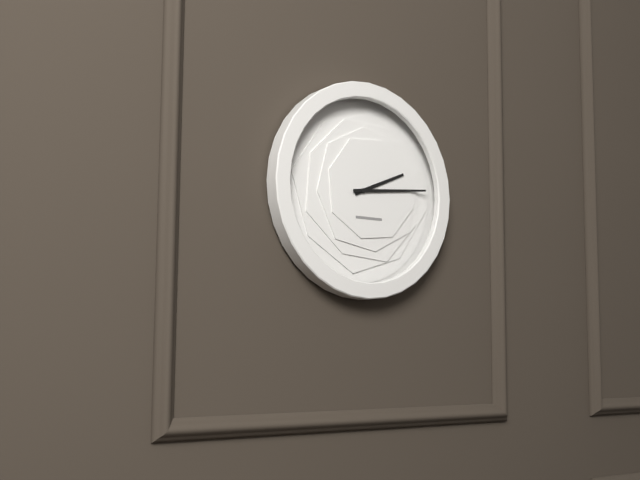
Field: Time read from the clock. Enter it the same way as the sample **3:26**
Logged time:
**2:14**
